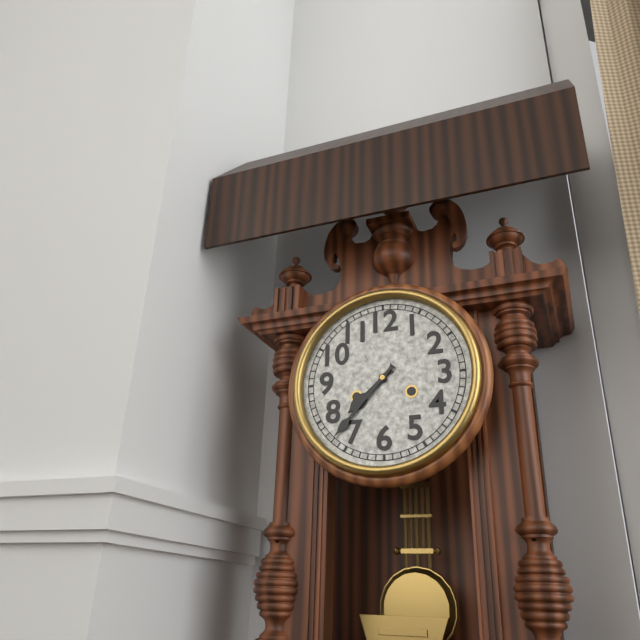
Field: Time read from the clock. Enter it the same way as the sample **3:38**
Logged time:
**7:37**
